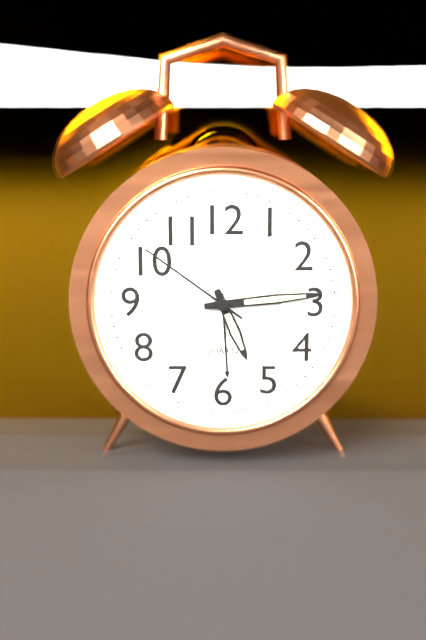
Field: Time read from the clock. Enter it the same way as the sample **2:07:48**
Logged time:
**5:14:51**
